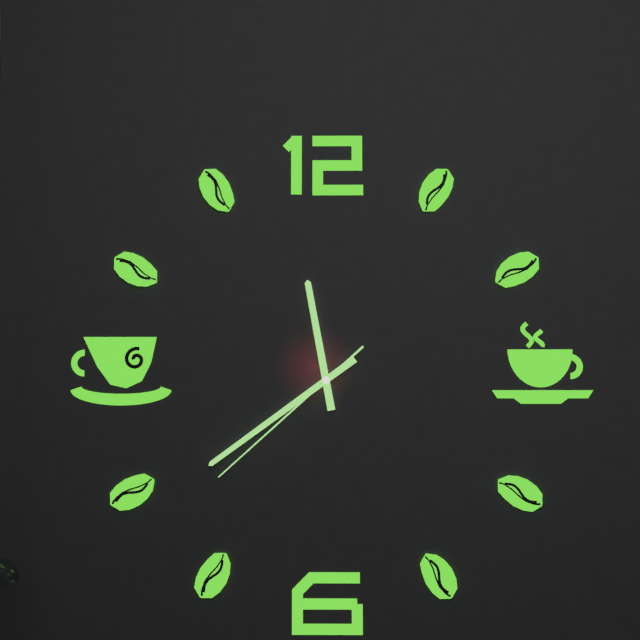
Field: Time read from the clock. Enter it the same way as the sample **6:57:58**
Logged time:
**11:39:38**
